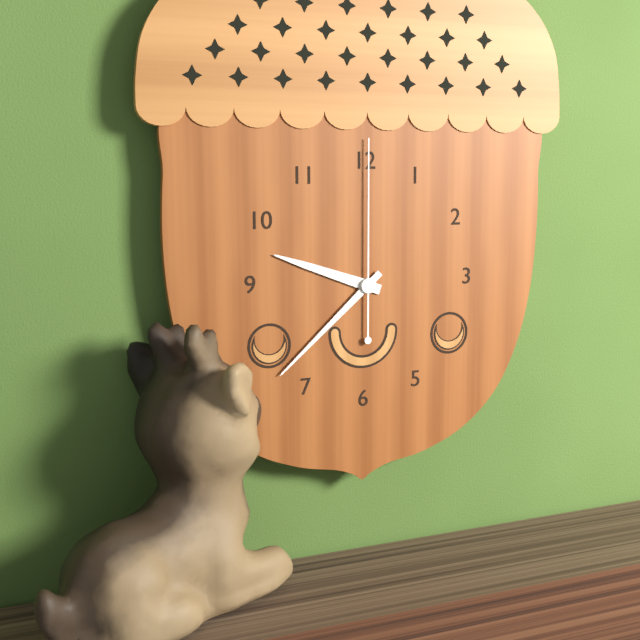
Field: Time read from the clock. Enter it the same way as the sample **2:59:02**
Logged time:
**9:38:00**
